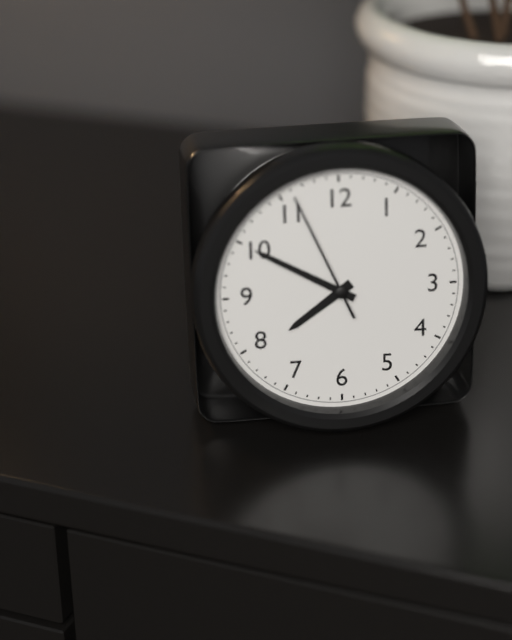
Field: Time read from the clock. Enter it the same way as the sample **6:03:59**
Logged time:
**7:50:56**
